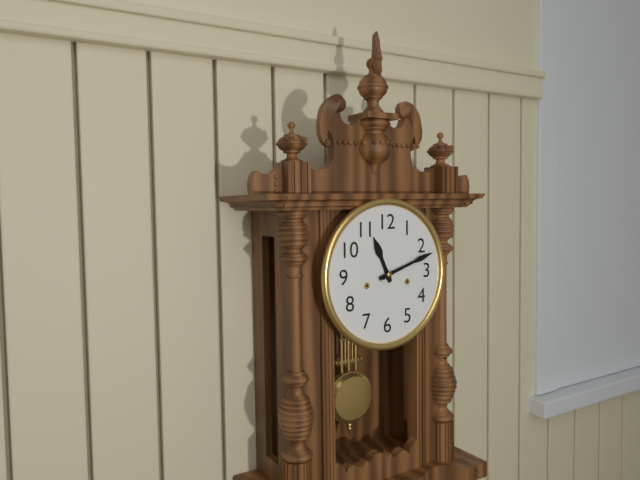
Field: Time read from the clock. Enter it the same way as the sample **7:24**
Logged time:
**11:12**
